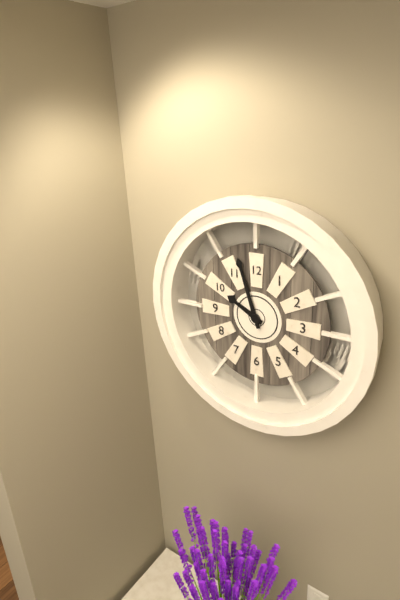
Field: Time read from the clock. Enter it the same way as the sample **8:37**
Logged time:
**9:57**
